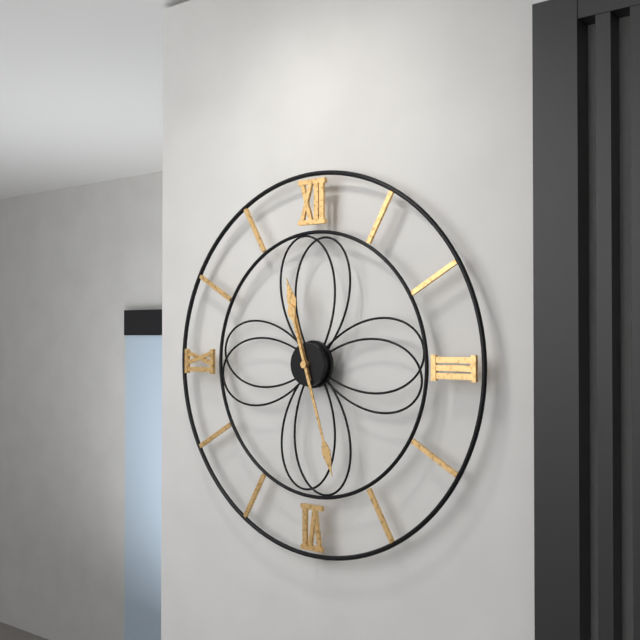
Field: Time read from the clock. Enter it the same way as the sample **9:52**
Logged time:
**11:27**
